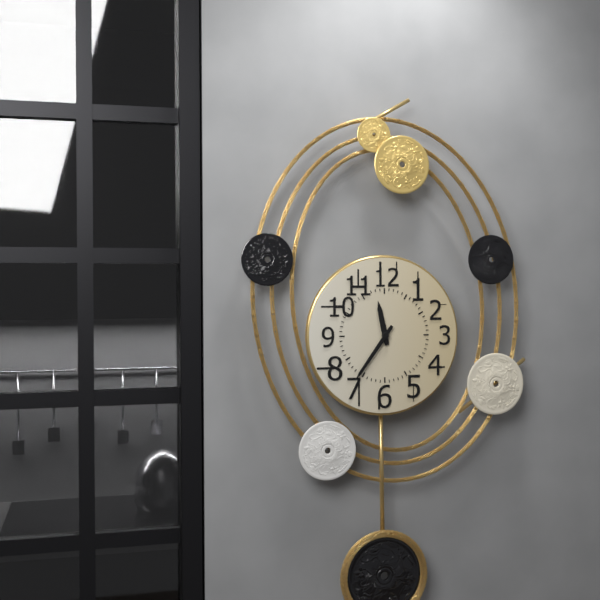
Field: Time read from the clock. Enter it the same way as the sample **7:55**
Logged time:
**11:36**
